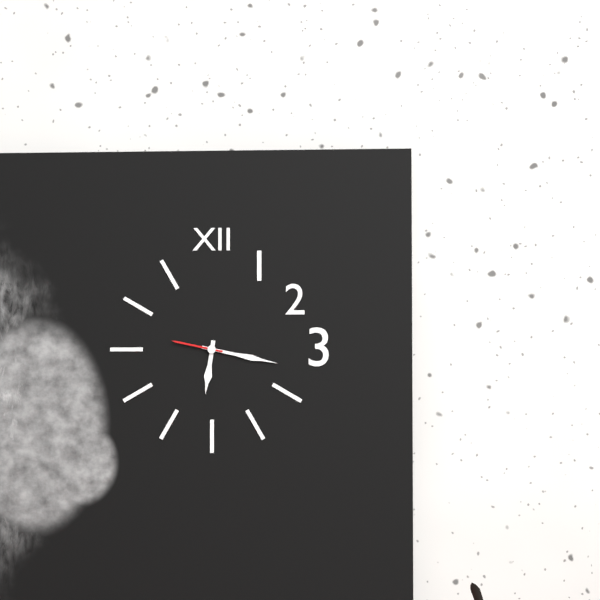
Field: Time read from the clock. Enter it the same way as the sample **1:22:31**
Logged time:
**6:17:47**
